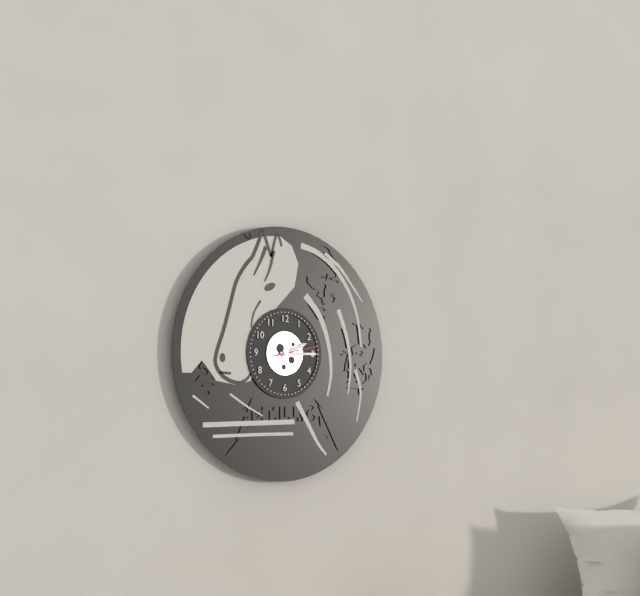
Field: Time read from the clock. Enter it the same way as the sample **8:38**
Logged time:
**2:15**
